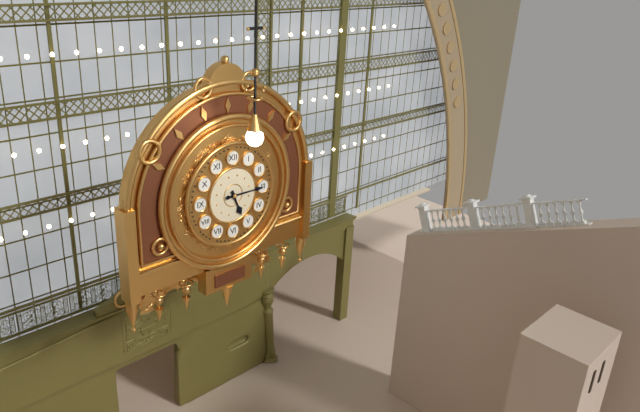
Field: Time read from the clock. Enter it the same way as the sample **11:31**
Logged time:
**5:15**
